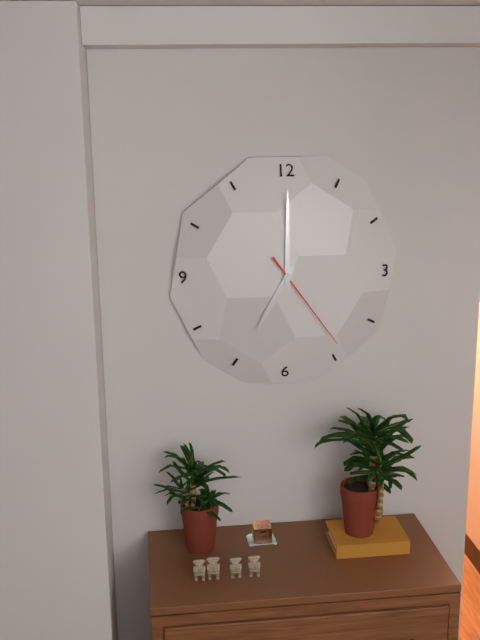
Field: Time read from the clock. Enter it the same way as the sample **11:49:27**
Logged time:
**7:00:24**
